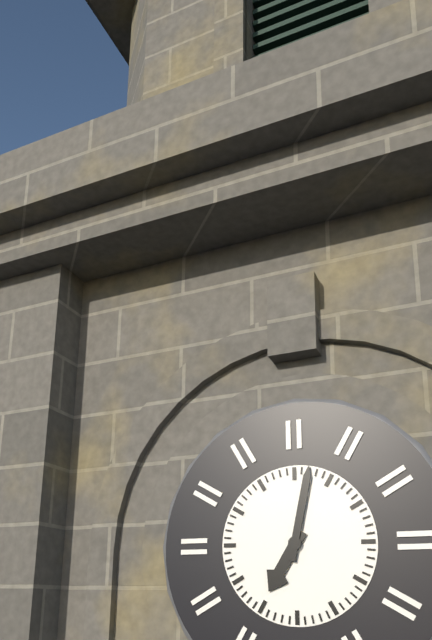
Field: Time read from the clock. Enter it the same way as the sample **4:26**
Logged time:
**7:02**
